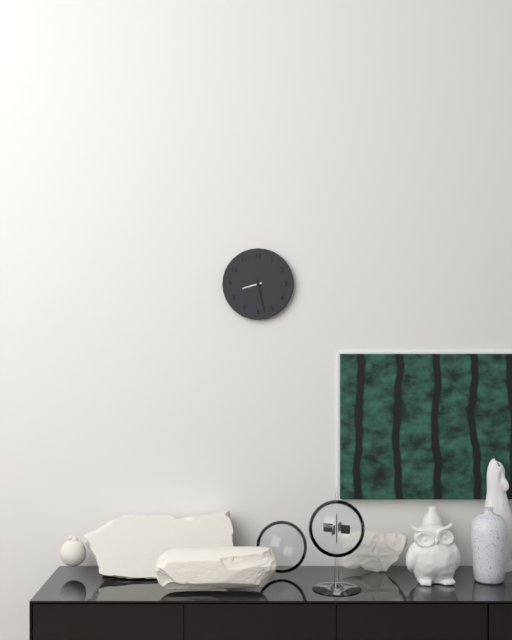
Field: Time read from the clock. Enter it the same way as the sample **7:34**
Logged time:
**8:28**
